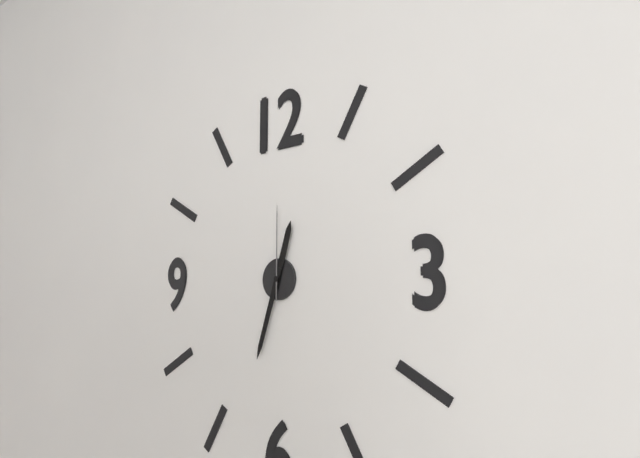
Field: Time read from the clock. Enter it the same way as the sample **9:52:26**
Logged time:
**12:33:00**
